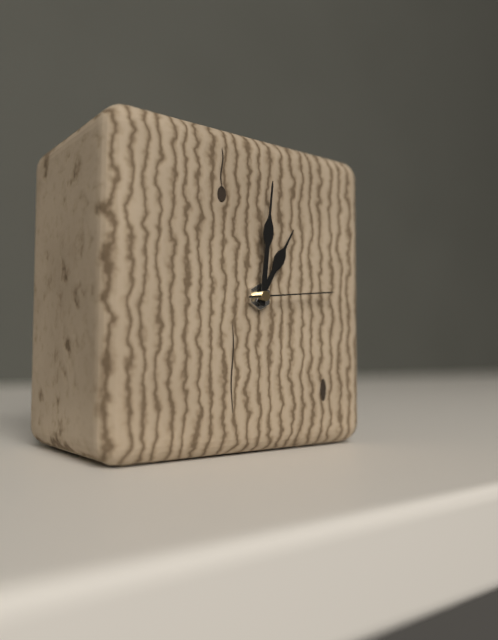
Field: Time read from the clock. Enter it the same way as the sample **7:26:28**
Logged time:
**1:01:14**
